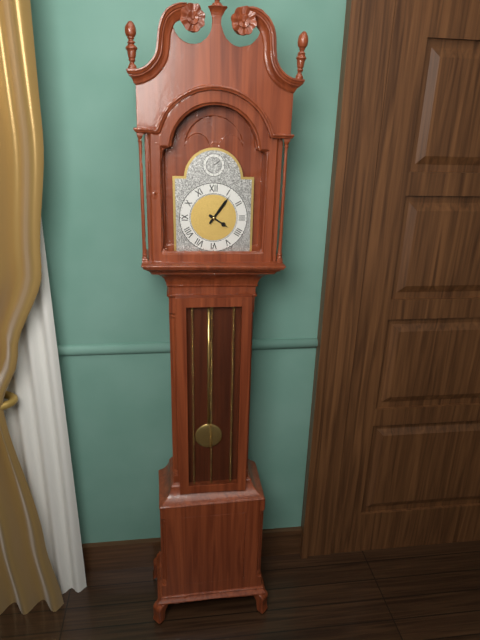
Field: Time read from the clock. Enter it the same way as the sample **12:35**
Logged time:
**4:06**
